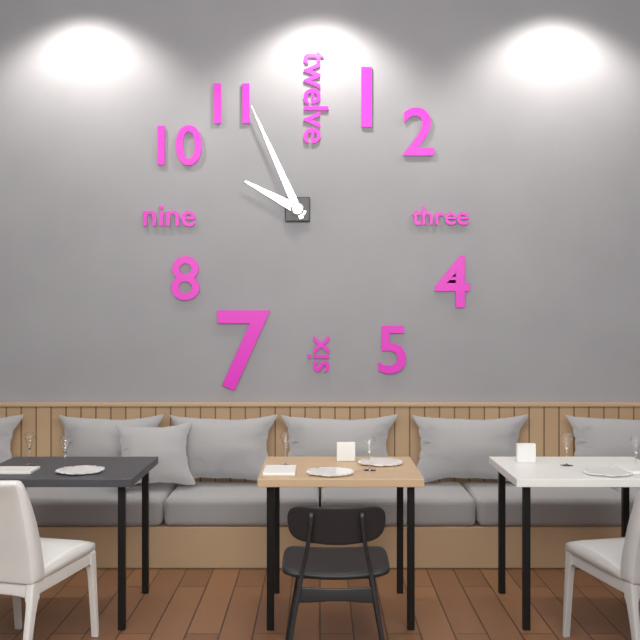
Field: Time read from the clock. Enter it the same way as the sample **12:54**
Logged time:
**9:56**
